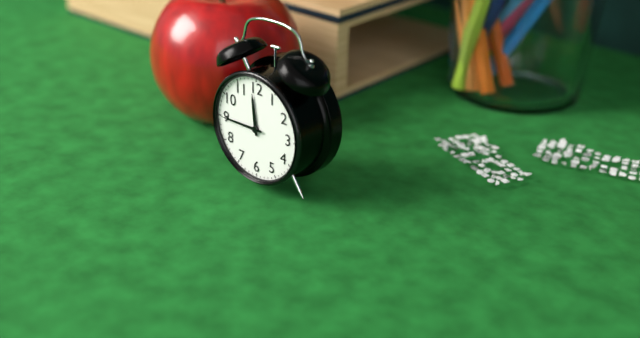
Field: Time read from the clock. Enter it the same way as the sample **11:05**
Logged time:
**11:45**
